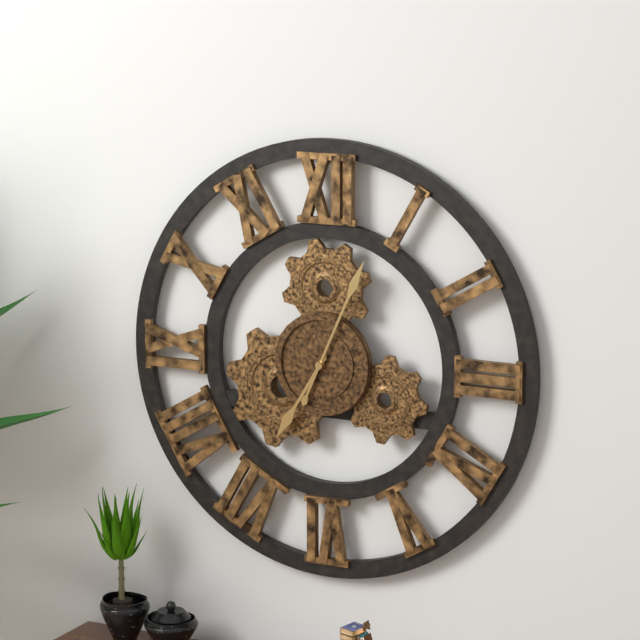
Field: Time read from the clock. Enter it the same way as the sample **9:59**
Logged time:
**7:04**
